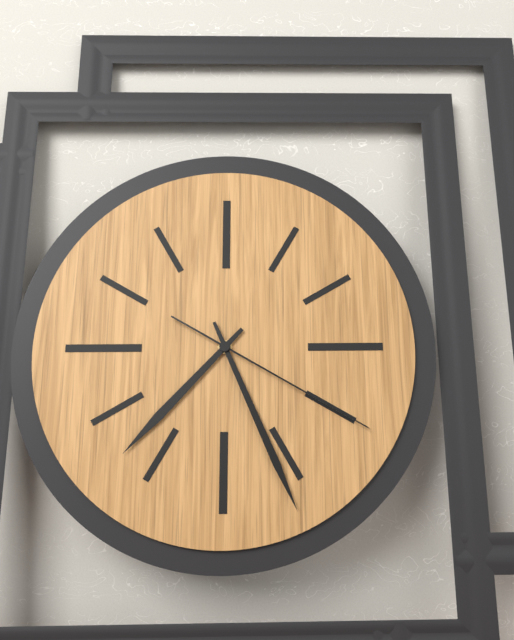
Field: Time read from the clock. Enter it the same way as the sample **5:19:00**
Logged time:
**7:26:20**
